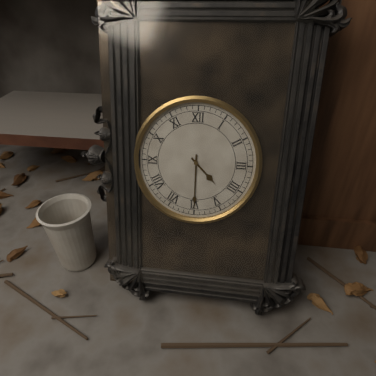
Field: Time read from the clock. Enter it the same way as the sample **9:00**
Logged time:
**4:30**
